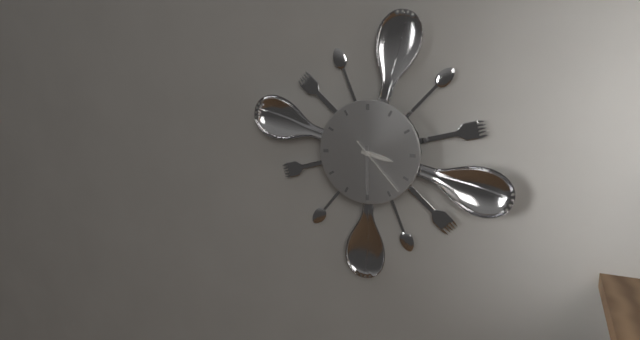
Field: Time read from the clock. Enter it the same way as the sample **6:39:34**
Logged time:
**3:30:23**
